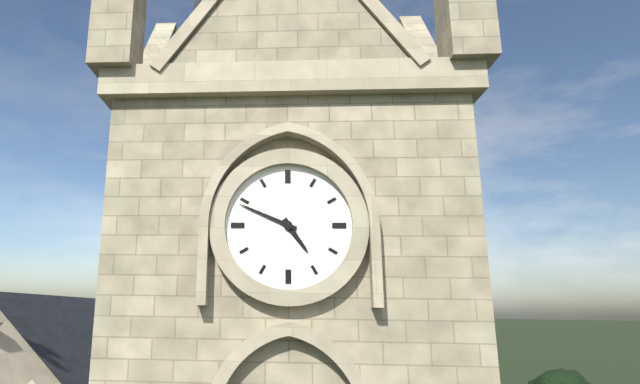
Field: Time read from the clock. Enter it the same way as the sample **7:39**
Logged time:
**4:49**
